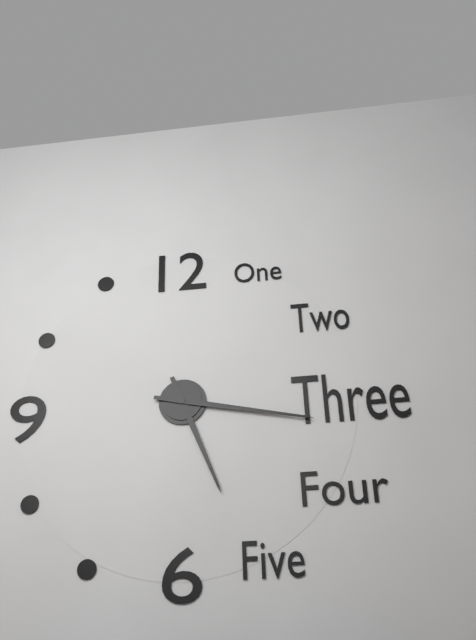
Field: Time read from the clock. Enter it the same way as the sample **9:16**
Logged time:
**5:17**
